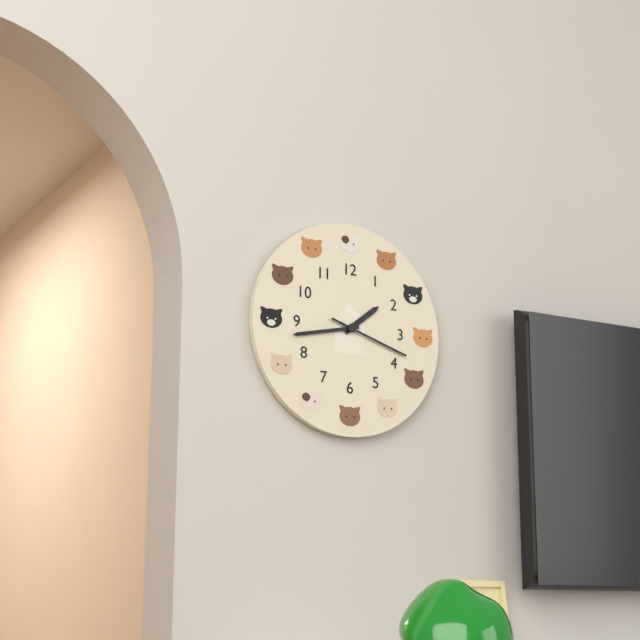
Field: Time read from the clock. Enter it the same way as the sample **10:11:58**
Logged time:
**1:43:18**
